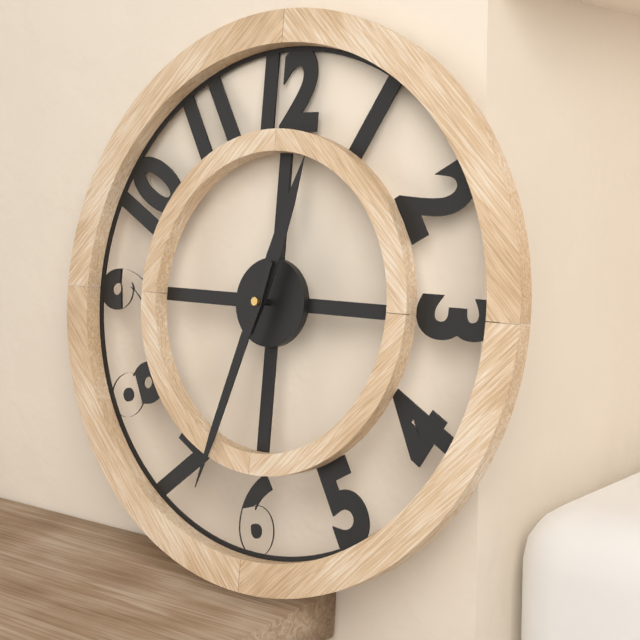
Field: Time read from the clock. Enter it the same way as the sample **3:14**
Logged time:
**12:33**
